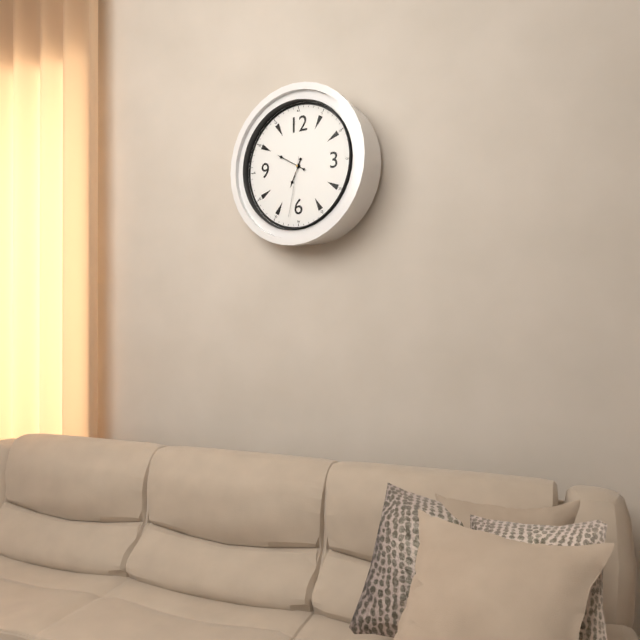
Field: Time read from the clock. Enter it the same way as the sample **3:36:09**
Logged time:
**6:50:32**
